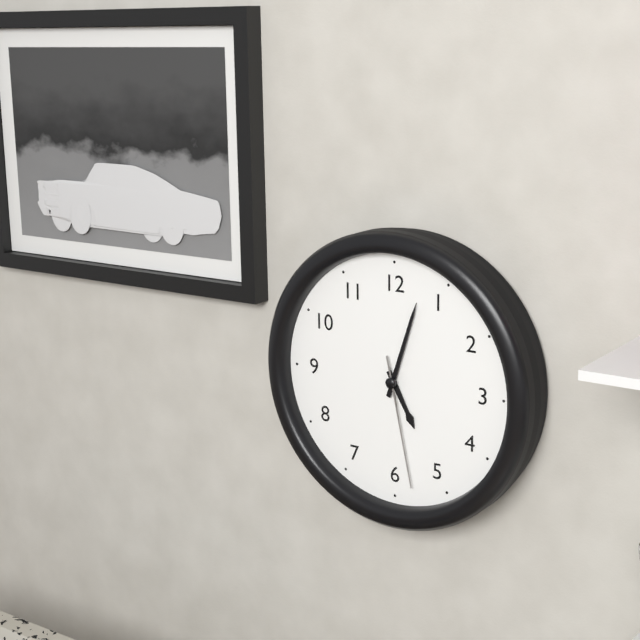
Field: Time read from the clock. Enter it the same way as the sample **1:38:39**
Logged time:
**5:03:28**
